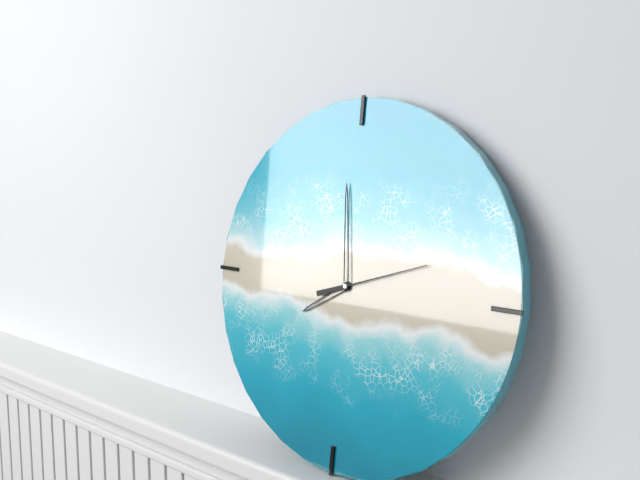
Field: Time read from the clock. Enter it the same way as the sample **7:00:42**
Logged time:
**7:59:12**
